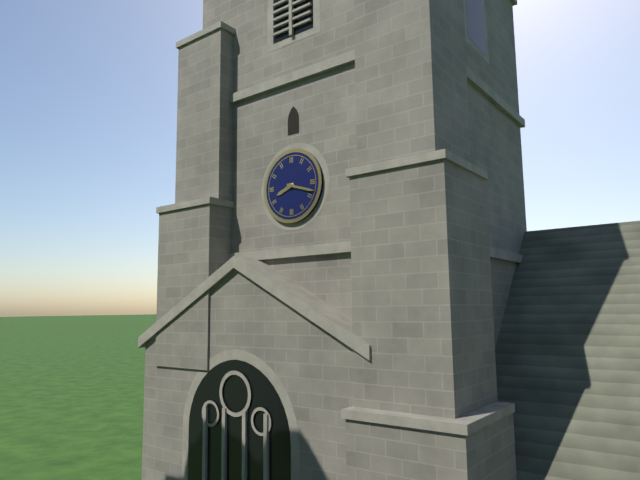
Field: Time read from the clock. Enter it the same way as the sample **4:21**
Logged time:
**8:18**
